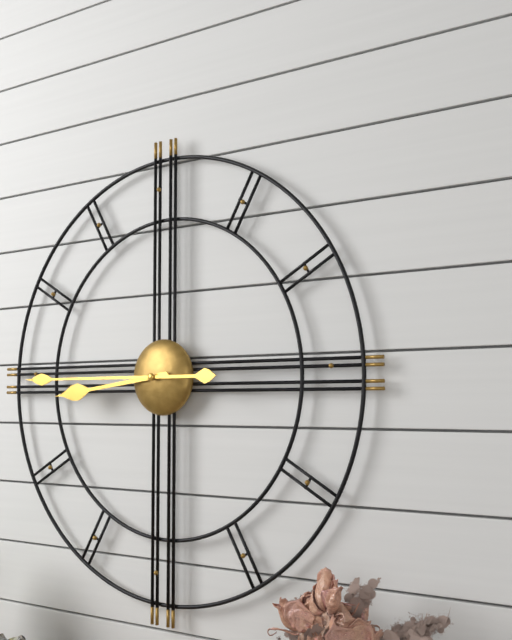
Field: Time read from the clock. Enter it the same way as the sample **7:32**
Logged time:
**8:45**
